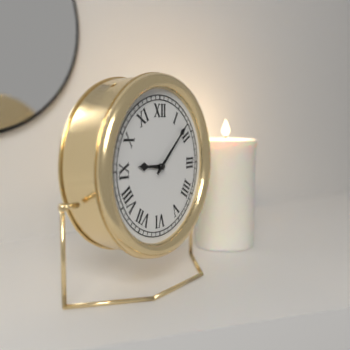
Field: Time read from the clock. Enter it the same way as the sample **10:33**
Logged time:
**9:08**
